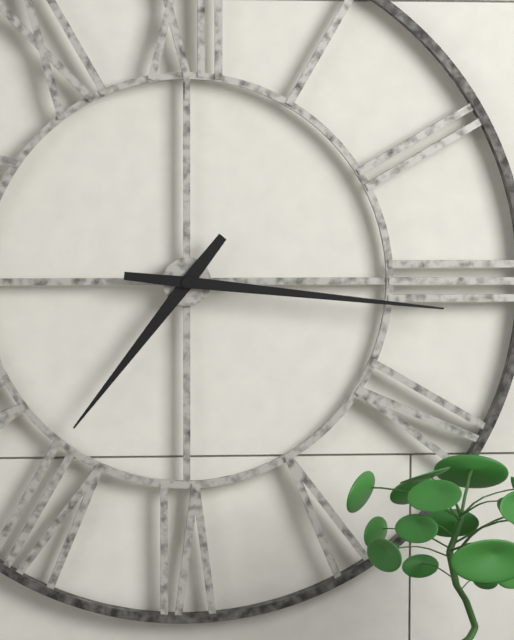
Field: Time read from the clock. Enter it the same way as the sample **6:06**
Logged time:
**7:16**
